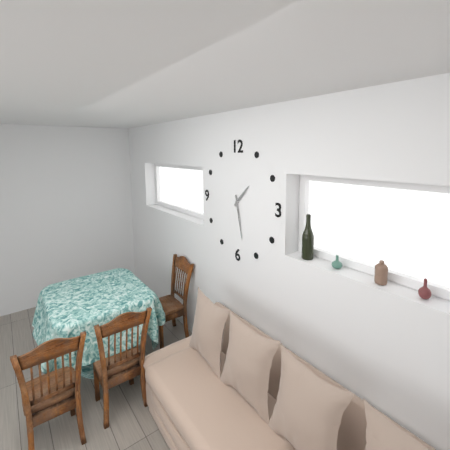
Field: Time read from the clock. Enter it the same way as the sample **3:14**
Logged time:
**1:28**
